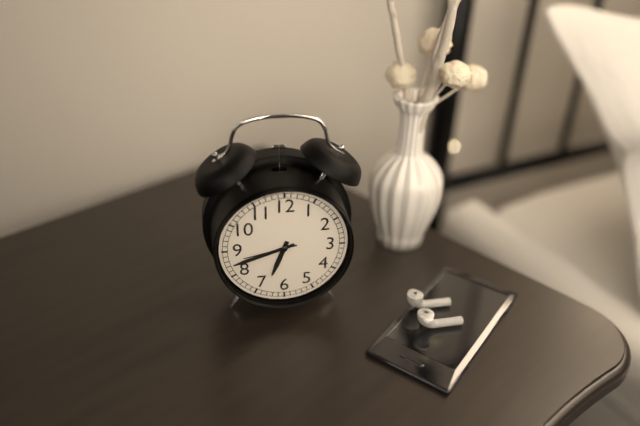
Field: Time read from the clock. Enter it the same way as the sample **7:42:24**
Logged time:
**6:42:43**
